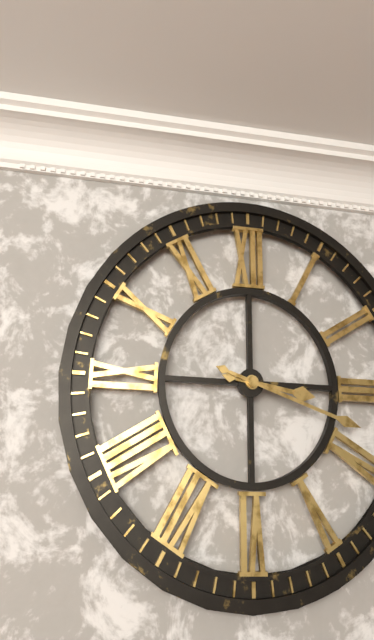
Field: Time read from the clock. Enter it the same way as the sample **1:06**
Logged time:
**3:18**
